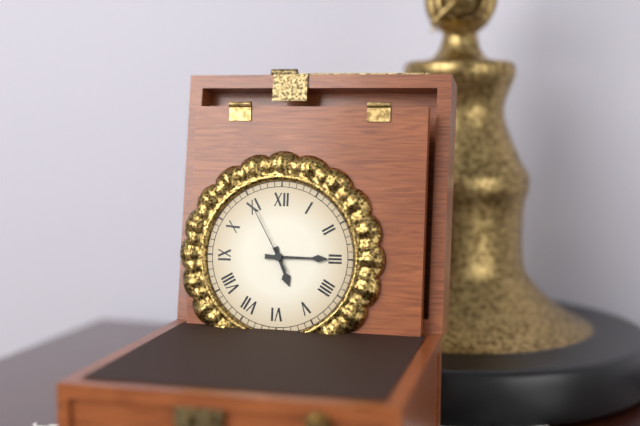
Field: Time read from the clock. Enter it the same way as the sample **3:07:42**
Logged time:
**5:15:55**
